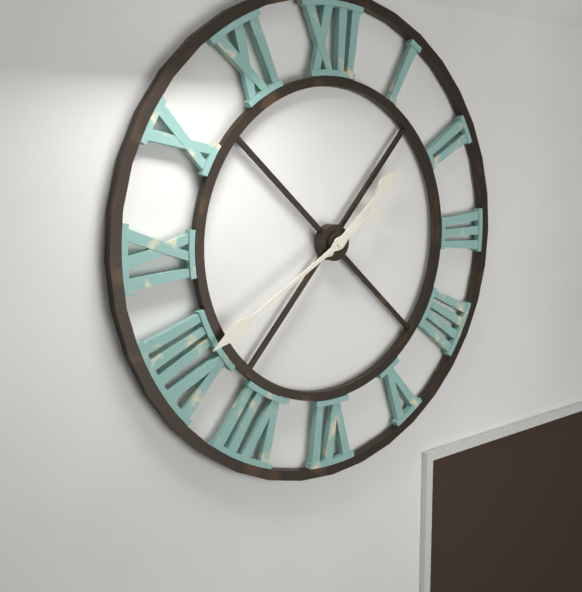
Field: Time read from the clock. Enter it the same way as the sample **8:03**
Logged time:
**1:40**
